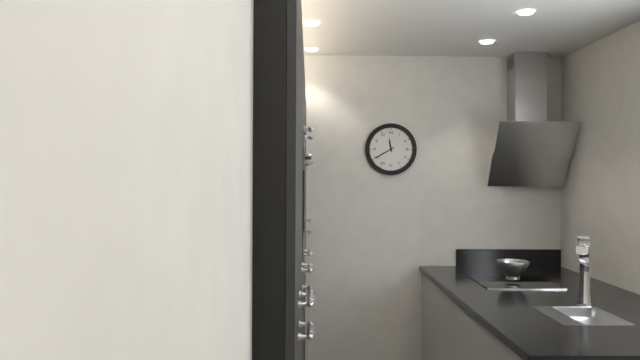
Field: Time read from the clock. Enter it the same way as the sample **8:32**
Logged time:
**11:40**
